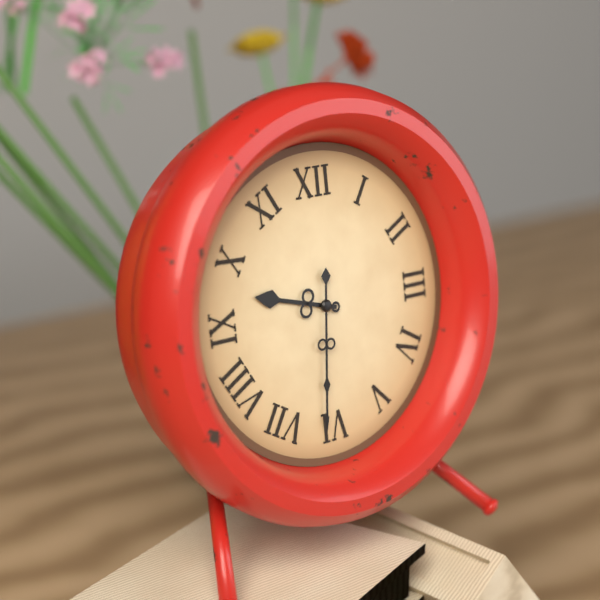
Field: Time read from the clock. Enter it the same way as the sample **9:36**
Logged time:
**9:31**
